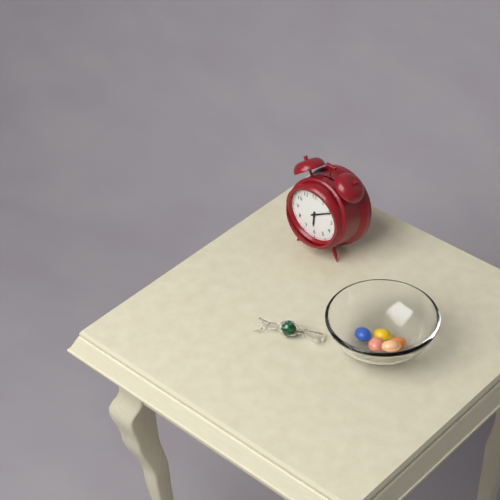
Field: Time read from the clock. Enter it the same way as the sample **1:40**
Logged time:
**6:10**
